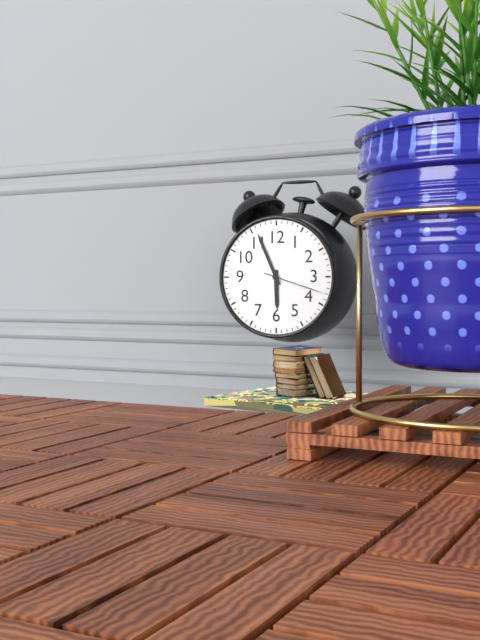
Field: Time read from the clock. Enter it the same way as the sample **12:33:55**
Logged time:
**5:56:18**
